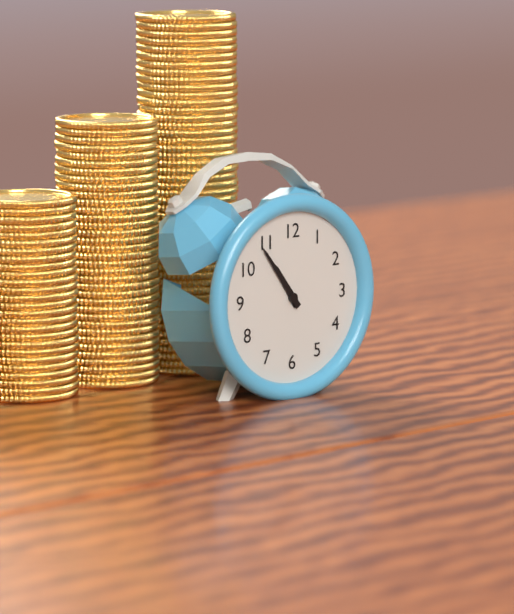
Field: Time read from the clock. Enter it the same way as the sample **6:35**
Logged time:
**10:54**
